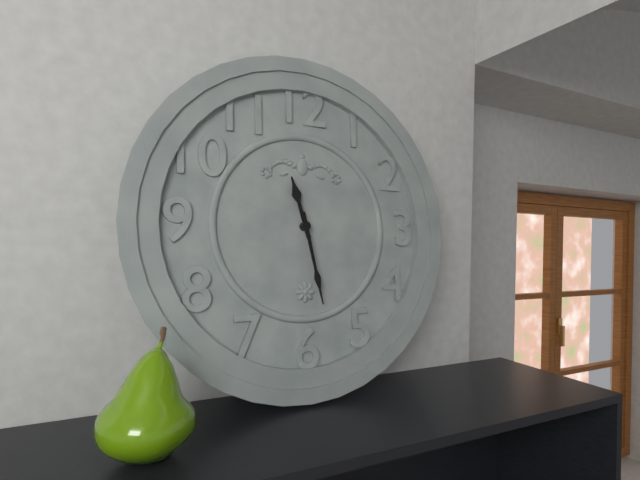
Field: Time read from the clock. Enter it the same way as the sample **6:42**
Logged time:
**11:28**
